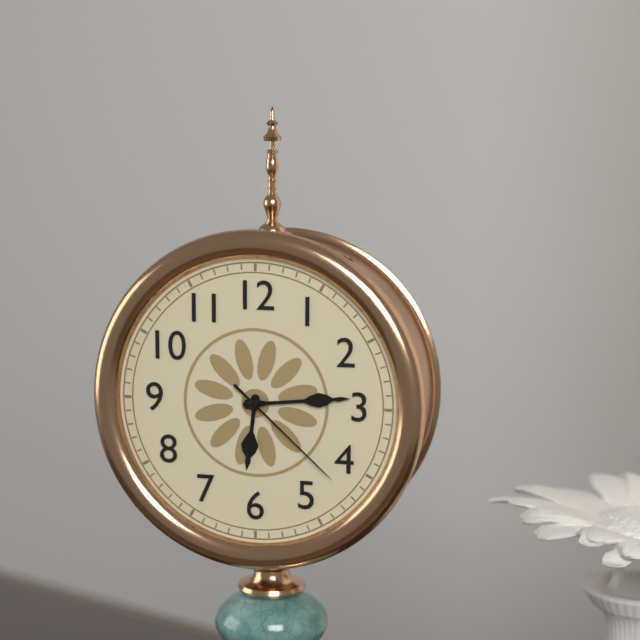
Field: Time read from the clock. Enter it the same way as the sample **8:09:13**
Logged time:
**6:14:22**
